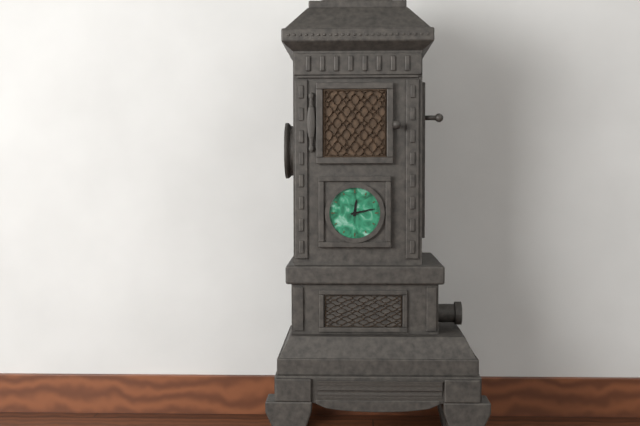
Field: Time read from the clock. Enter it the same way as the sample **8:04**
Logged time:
**12:13**
